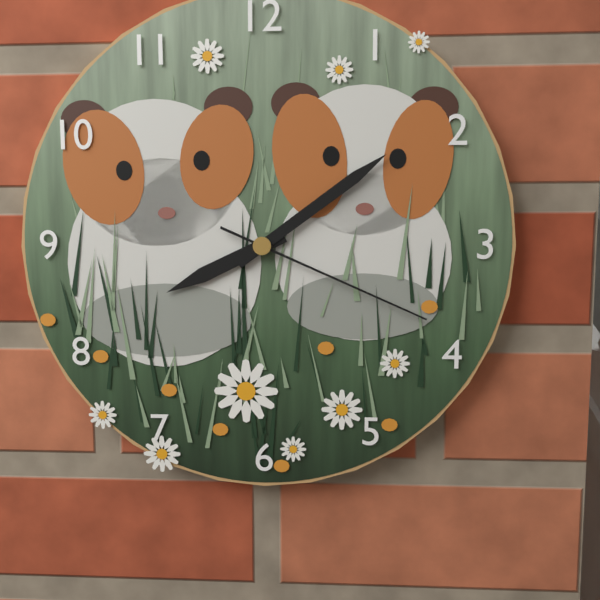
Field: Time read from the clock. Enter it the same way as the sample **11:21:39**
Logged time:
**8:09:19**
